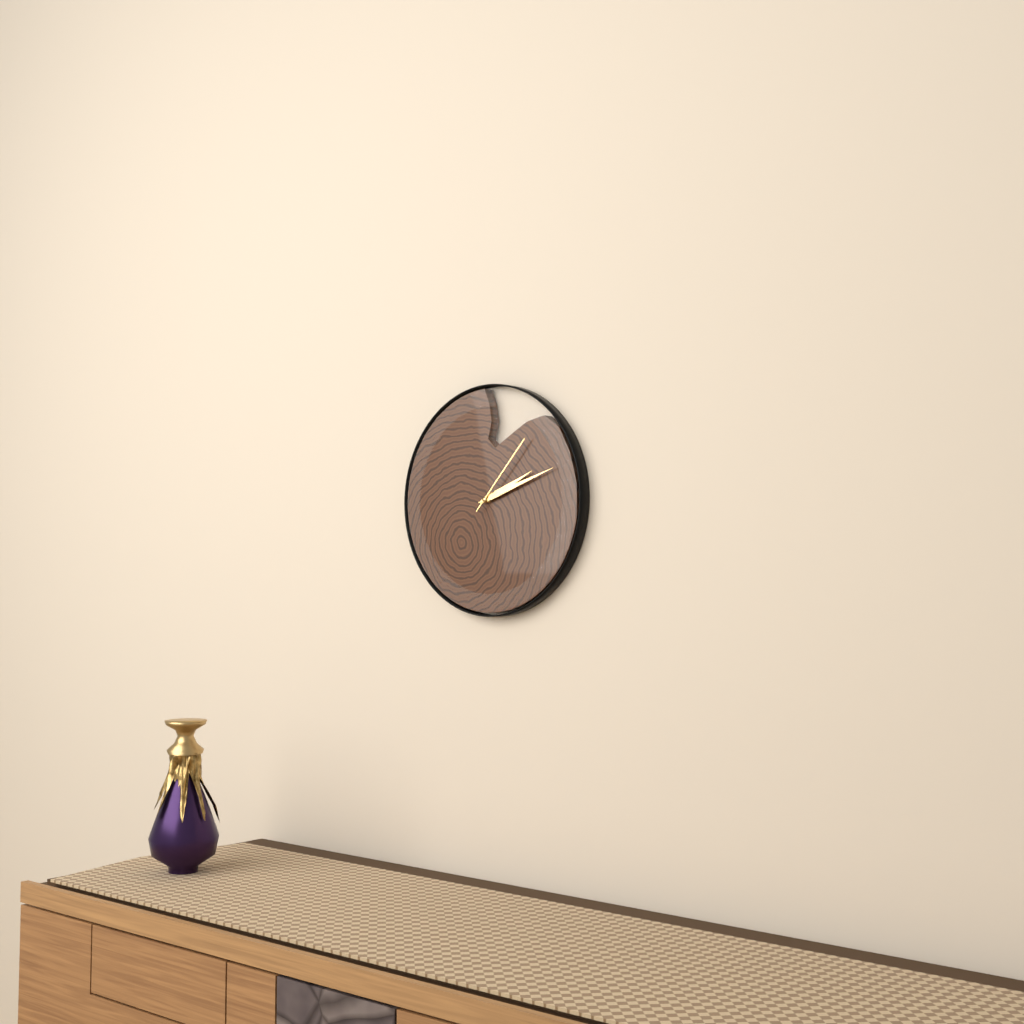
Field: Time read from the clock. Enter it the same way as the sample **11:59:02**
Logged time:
**2:12:07**
